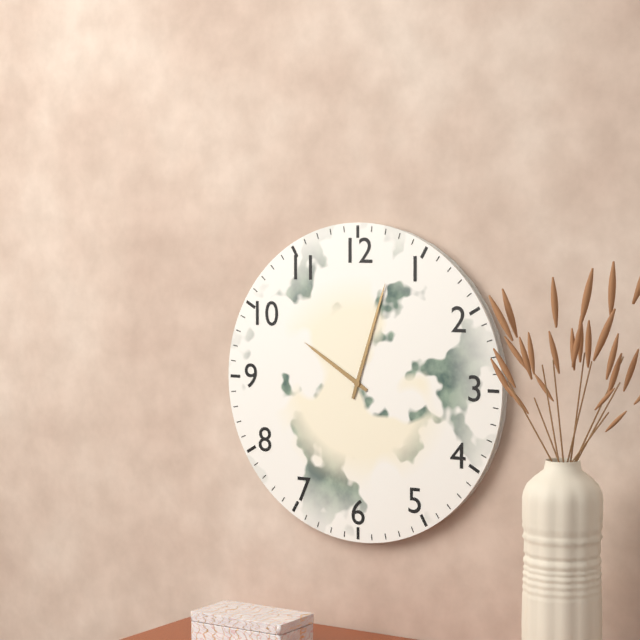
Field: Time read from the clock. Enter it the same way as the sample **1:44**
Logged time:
**10:03**
